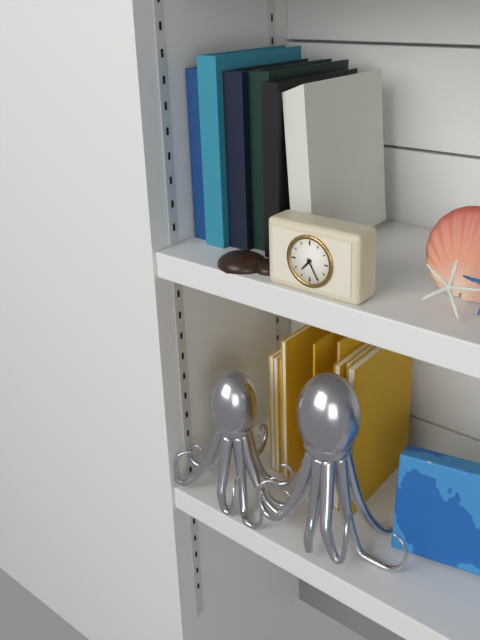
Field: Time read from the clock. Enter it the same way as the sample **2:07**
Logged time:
**7:25**
